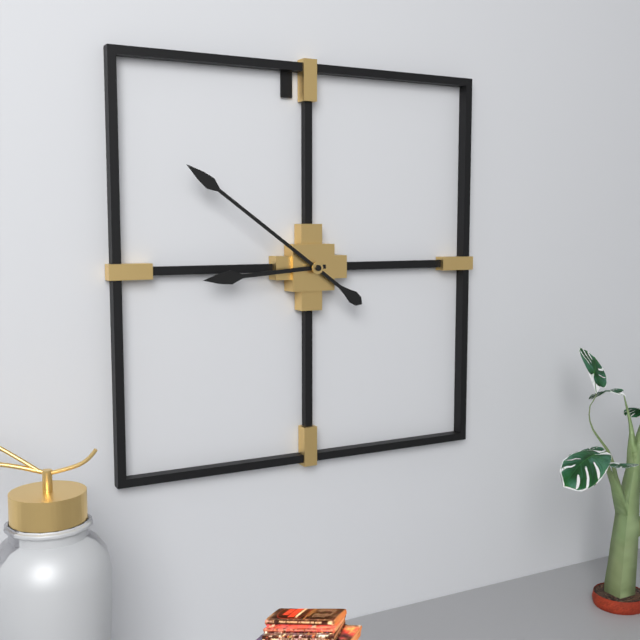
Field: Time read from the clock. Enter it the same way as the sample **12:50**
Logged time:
**8:51**
